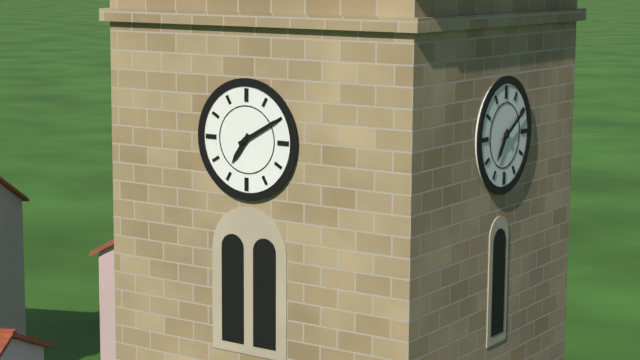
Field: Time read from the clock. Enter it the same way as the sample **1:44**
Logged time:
**7:10**
